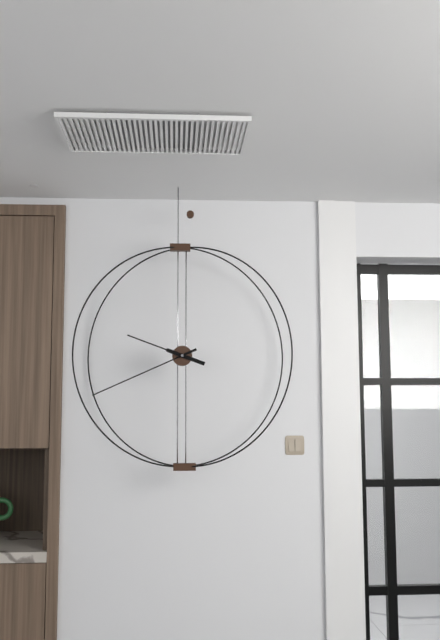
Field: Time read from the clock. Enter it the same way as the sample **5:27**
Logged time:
**9:41**
